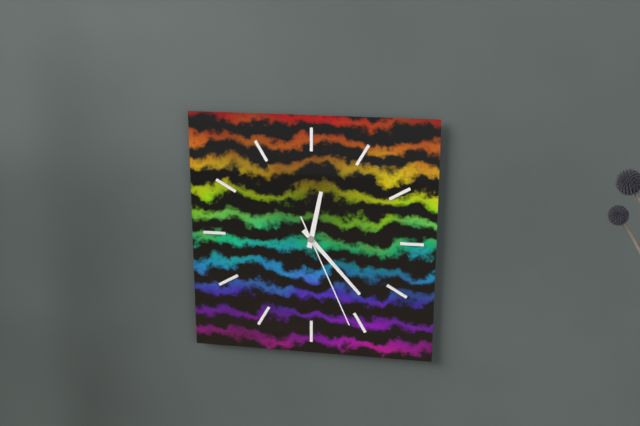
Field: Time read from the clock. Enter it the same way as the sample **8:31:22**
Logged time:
**12:23:26**
